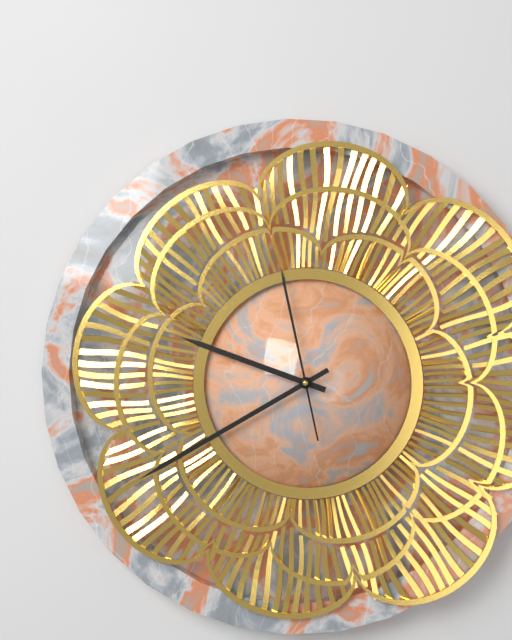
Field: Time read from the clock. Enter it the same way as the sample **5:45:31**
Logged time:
**9:40:58**
